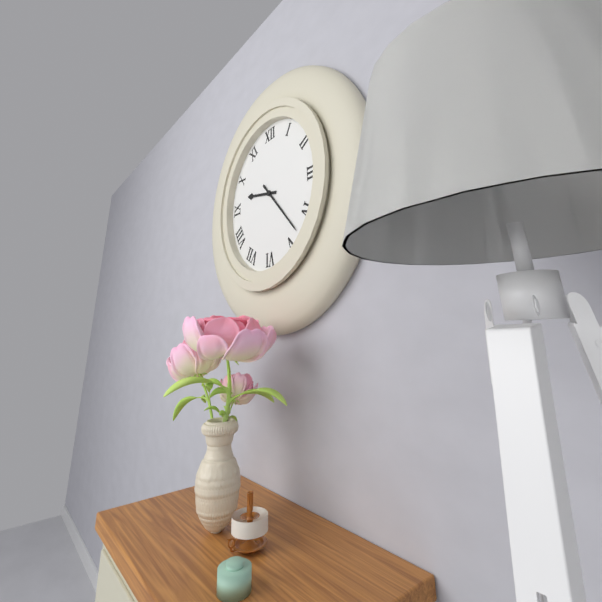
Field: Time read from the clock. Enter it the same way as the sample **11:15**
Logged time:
**9:23**
